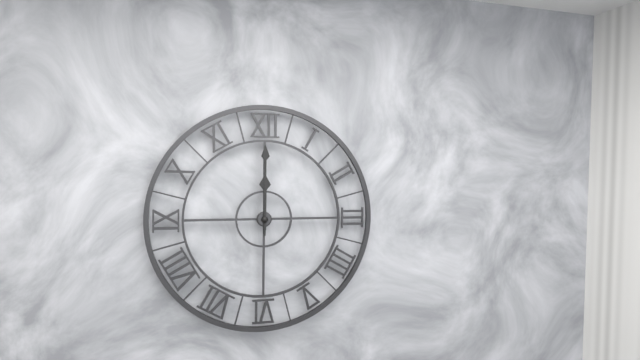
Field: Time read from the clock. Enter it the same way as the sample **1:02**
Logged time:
**12:00**
